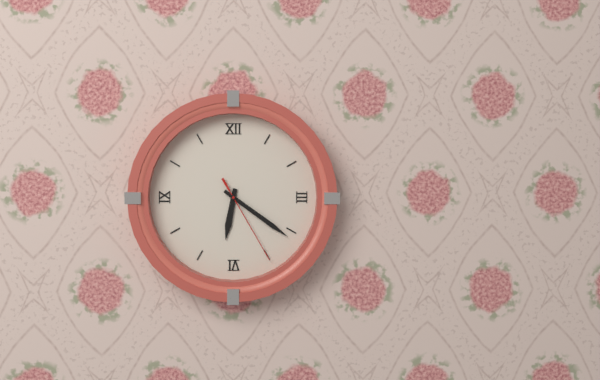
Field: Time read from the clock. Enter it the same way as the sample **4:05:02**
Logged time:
**6:21:25**
